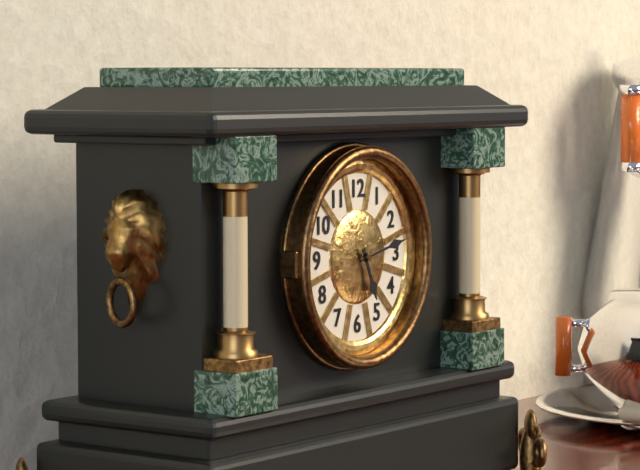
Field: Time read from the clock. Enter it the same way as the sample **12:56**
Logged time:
**5:13**
